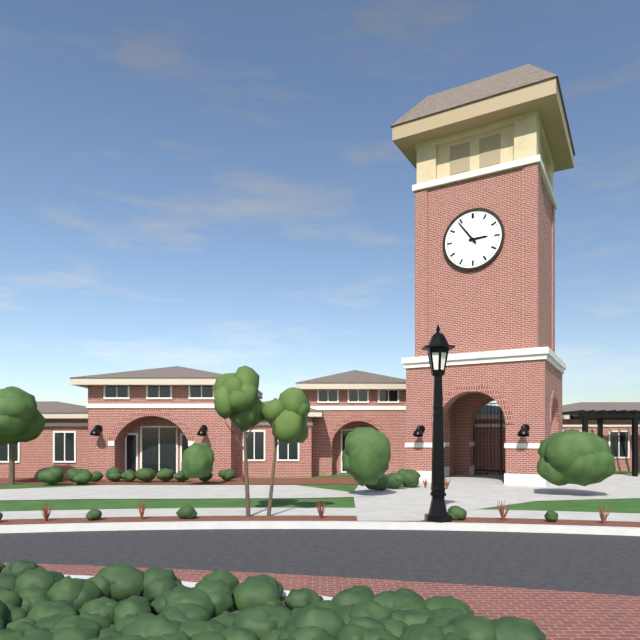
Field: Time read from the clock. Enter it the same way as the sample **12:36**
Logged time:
**2:54**
